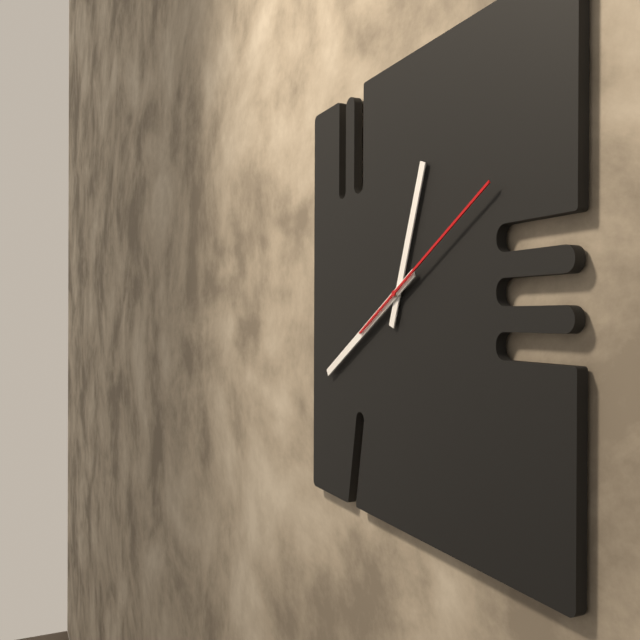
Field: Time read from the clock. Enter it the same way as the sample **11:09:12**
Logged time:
**12:40:10**
